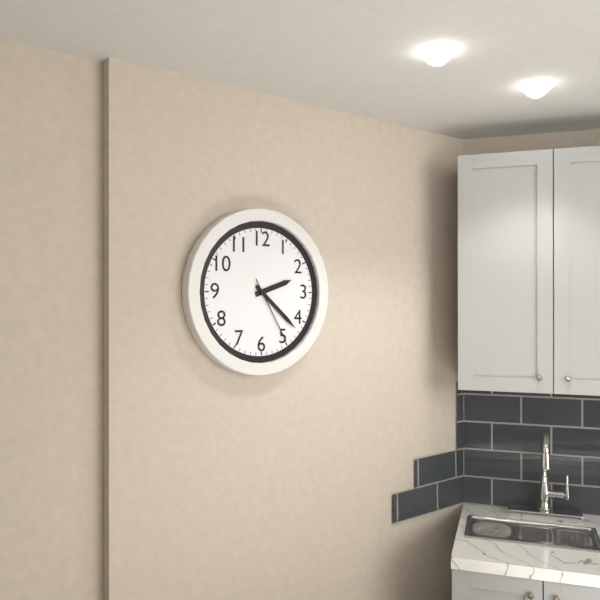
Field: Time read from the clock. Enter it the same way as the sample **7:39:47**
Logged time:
**2:22:25**
